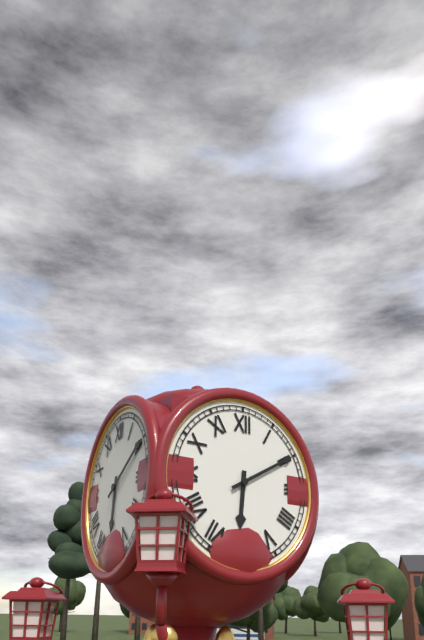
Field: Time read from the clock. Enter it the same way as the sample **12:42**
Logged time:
**6:10**
